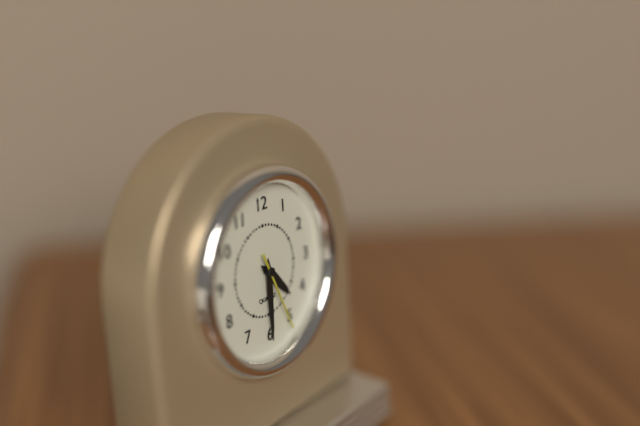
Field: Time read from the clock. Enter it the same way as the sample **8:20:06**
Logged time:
**4:30:26**
